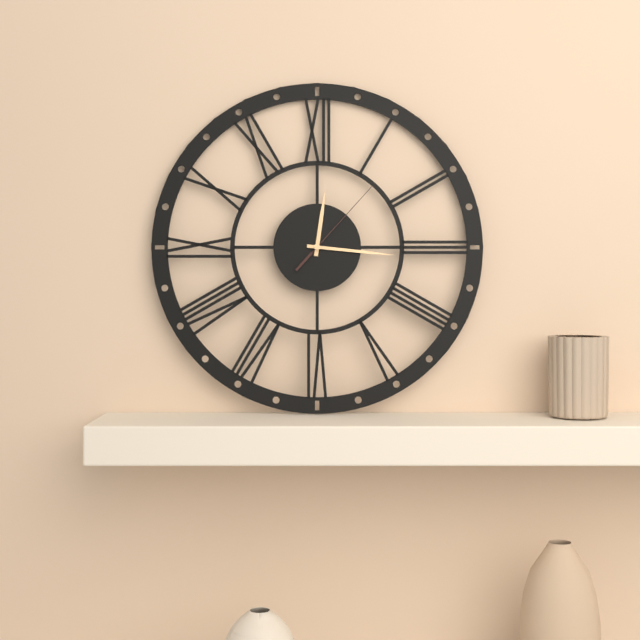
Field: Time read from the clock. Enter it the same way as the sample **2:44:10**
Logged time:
**12:16:07**
